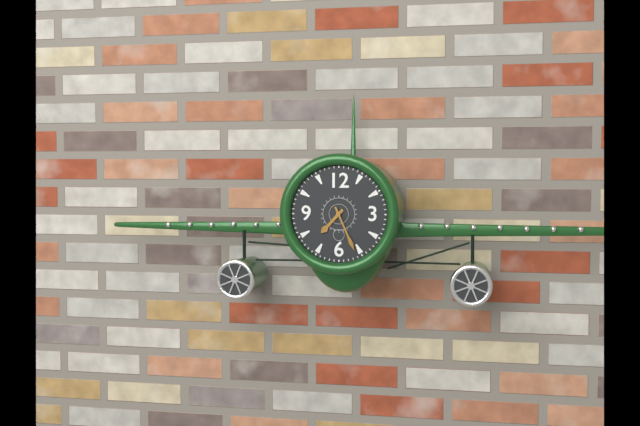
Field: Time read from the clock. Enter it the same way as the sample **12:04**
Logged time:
**7:26**
